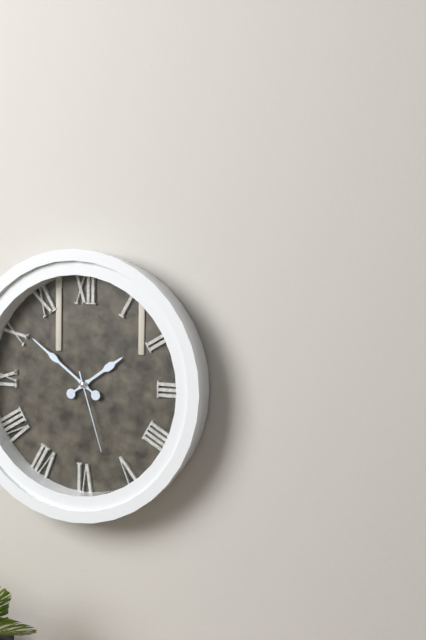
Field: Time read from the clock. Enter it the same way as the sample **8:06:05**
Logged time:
**1:51:27**
